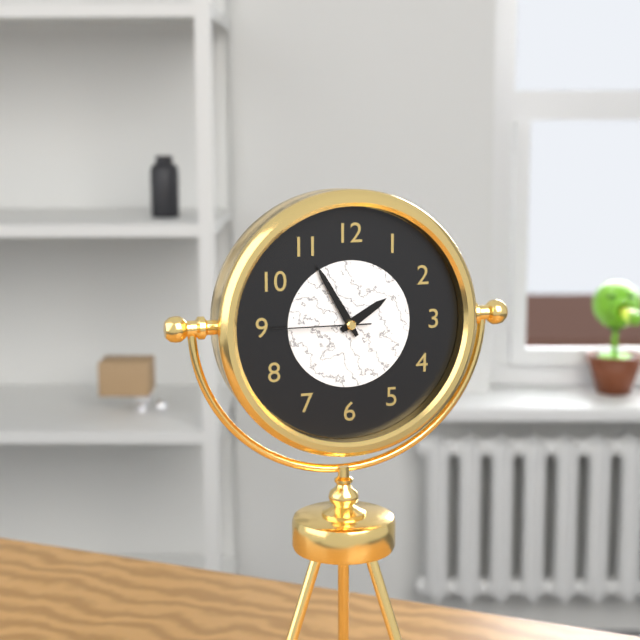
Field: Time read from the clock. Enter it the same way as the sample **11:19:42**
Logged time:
**1:55:45**
